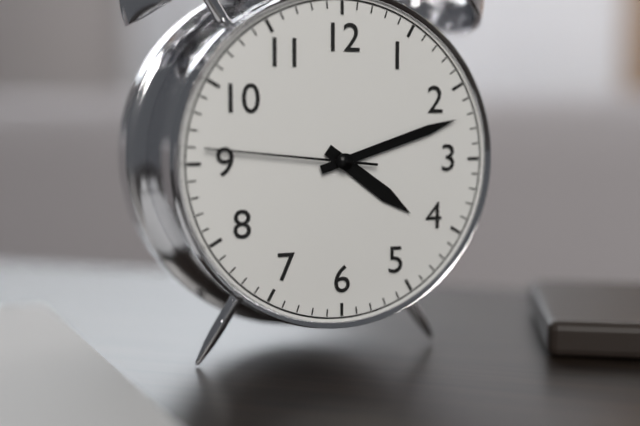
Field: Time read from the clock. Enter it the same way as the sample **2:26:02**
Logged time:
**4:12:46**
